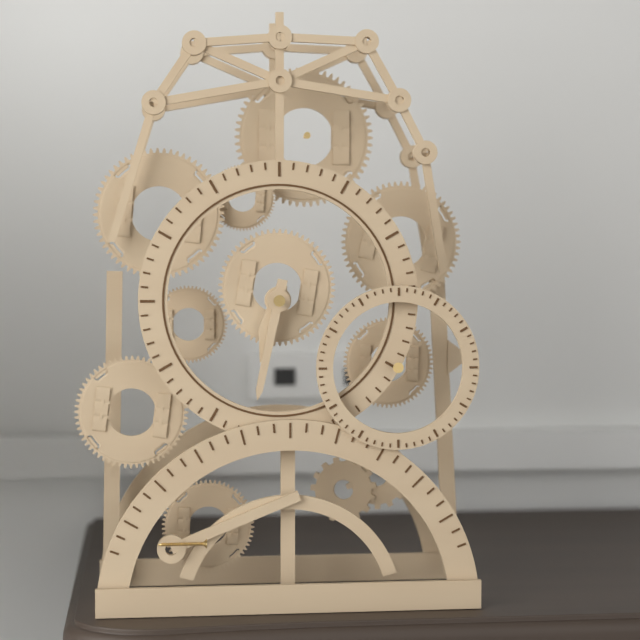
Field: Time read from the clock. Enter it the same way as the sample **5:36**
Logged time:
**6:32**
